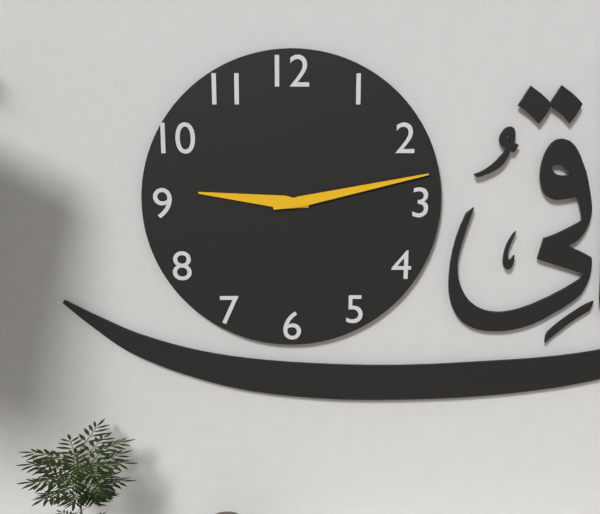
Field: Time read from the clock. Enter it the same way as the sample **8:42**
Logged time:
**9:13**
